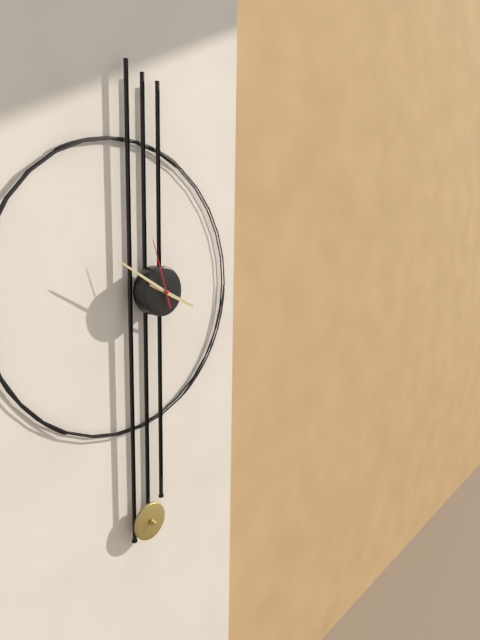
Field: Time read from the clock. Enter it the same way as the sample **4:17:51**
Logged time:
**3:50:57**
